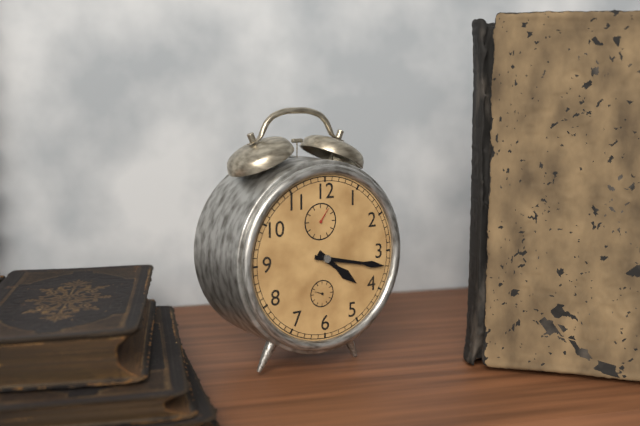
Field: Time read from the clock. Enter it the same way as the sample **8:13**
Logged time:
**4:17**
